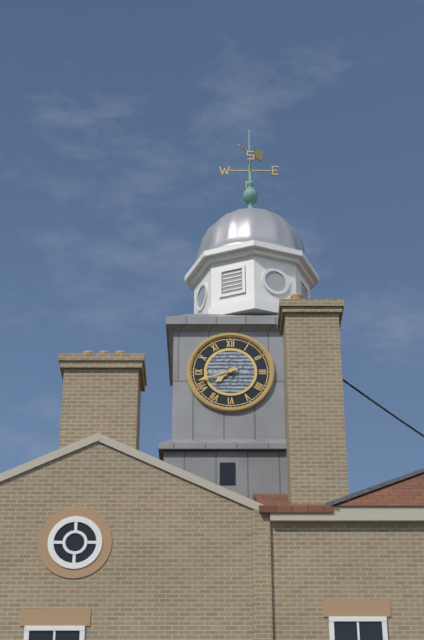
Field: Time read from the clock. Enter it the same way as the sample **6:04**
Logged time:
**7:42**
